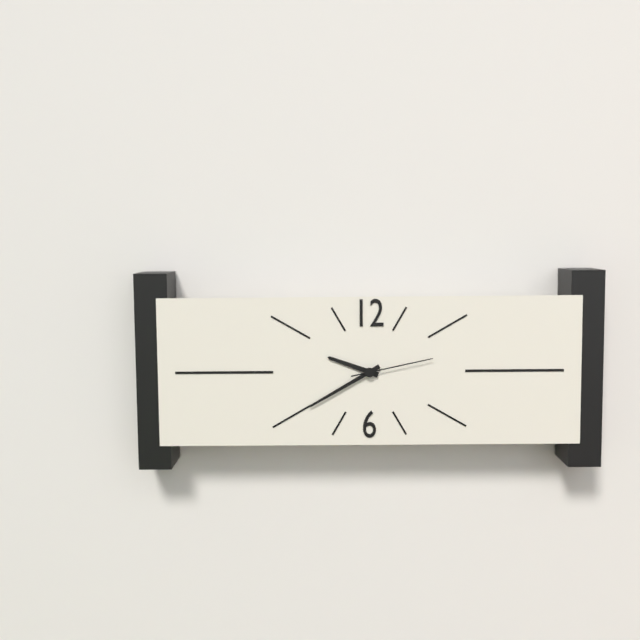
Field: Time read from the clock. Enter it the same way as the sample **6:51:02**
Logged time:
**9:40:13**
